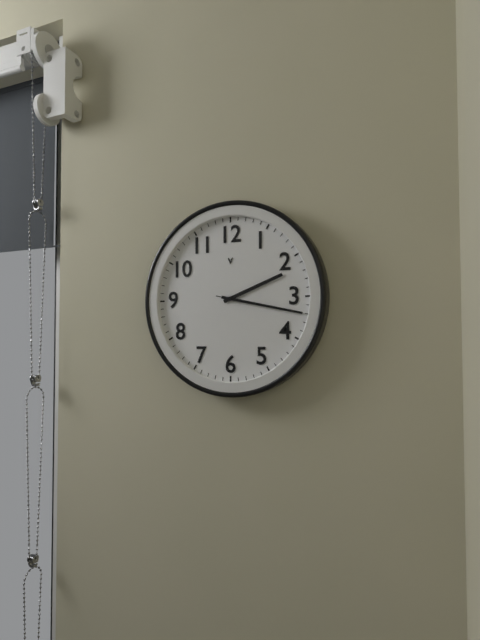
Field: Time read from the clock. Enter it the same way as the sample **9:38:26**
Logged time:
**2:17:17**
